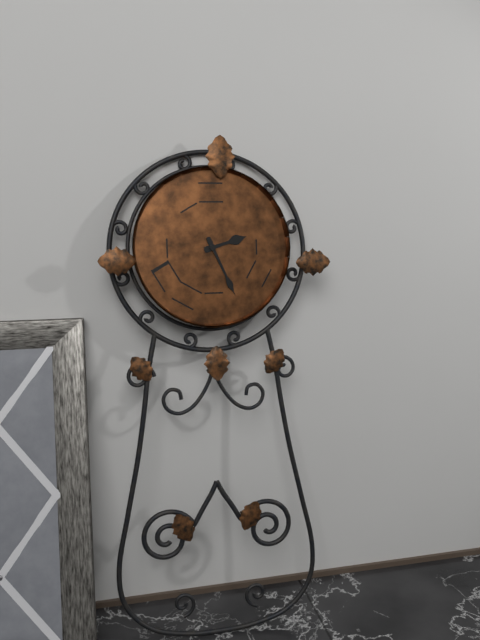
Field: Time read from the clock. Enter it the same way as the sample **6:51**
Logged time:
**2:26**
